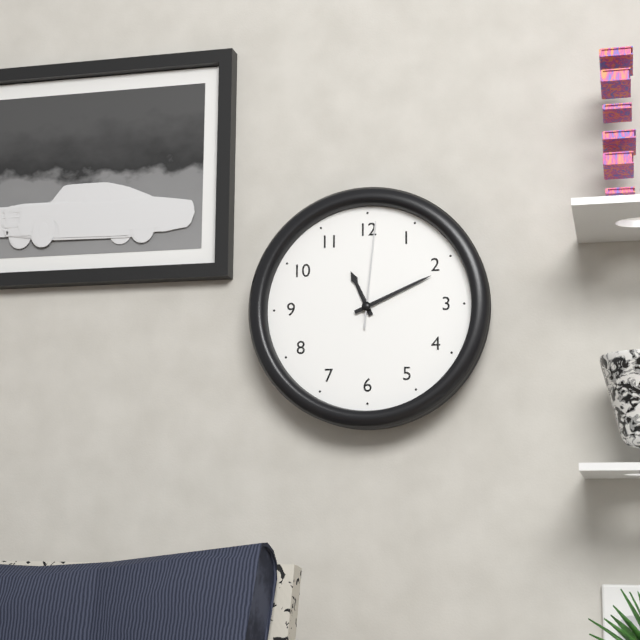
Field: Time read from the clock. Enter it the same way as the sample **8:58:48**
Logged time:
**11:11:01**
